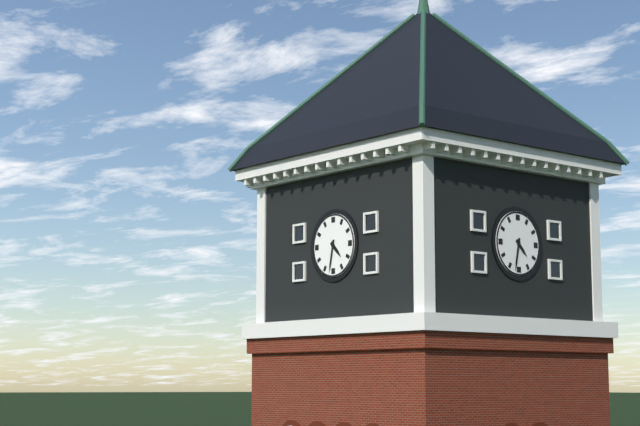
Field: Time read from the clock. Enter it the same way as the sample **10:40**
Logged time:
**4:32**
